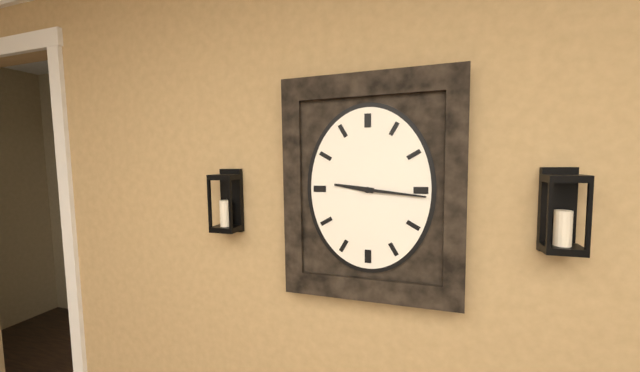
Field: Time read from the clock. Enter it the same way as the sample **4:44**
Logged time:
**9:16**
